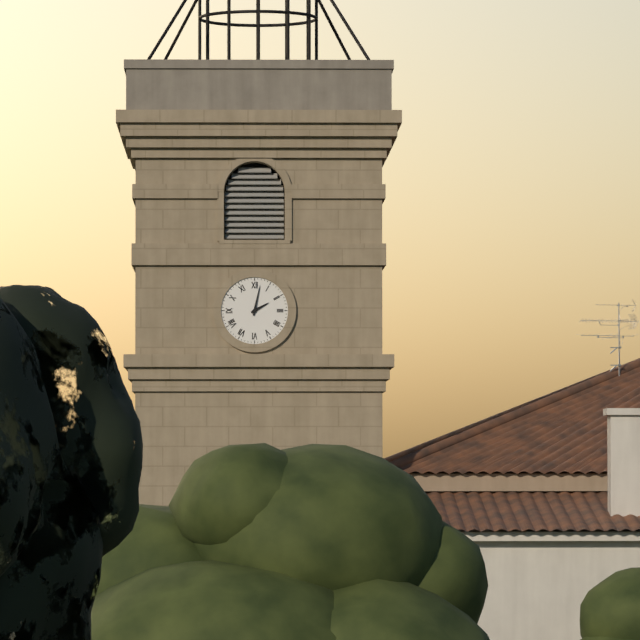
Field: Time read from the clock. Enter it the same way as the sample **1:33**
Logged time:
**2:02**
